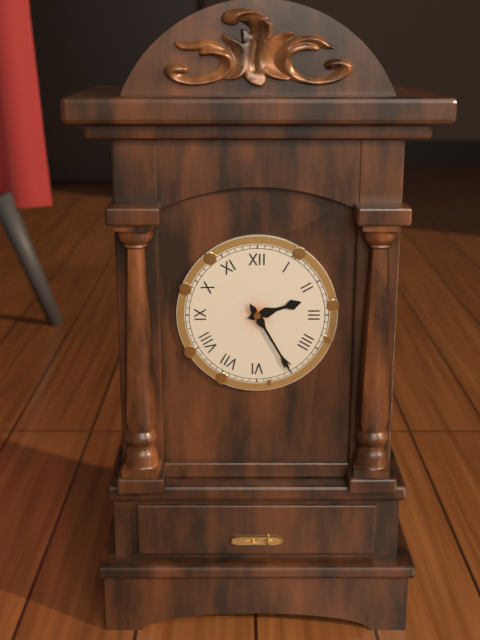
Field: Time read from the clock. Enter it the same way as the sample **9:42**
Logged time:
**2:25**
